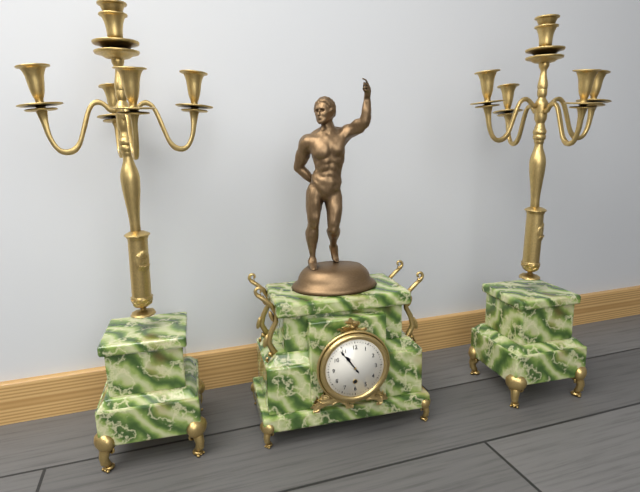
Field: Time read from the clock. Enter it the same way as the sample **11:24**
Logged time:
**10:54**
